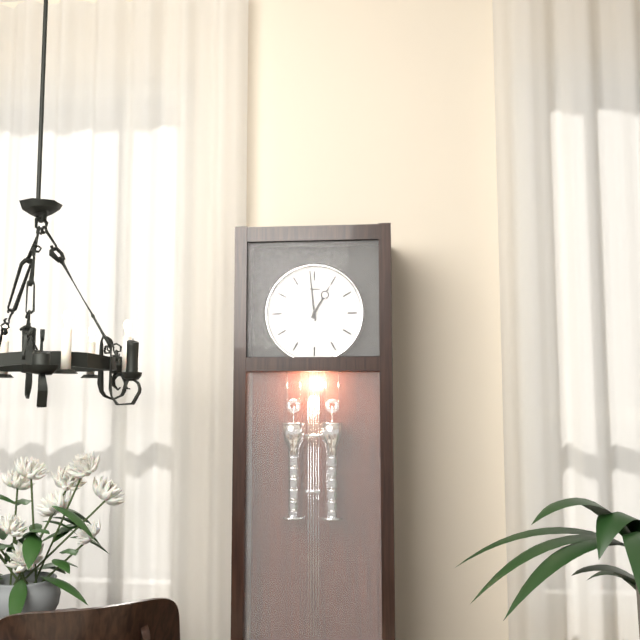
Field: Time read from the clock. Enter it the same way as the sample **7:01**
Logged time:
**12:59**
